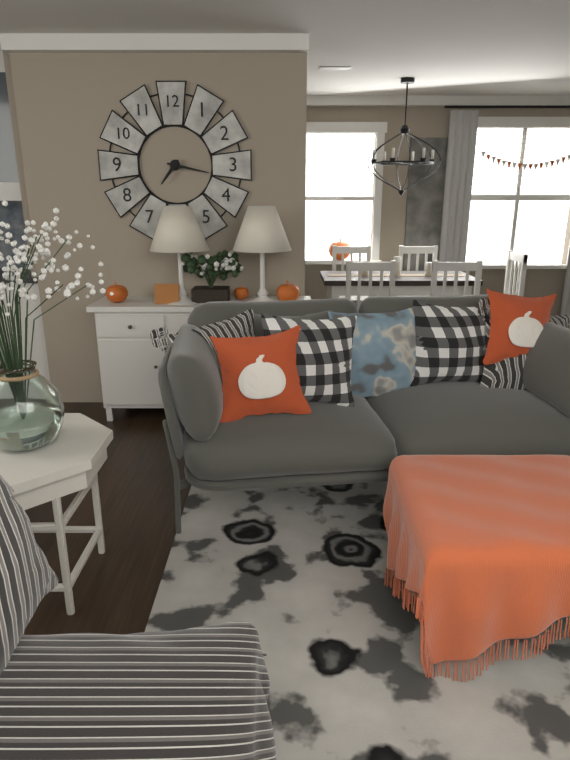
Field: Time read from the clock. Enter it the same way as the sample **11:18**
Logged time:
**7:17**
